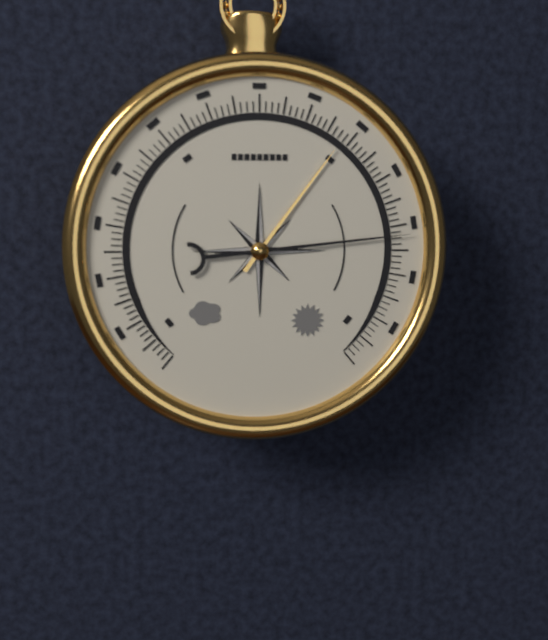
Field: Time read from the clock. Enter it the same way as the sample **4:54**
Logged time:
**1:14**
